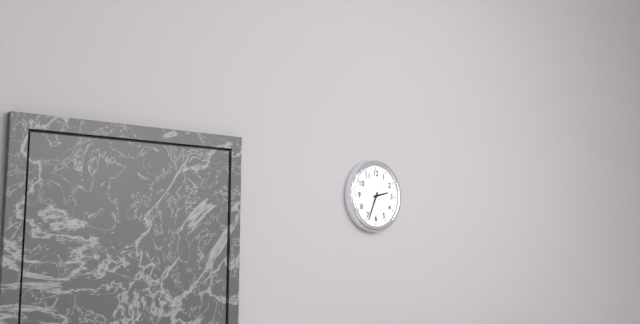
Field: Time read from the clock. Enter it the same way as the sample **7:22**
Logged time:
**2:34**
